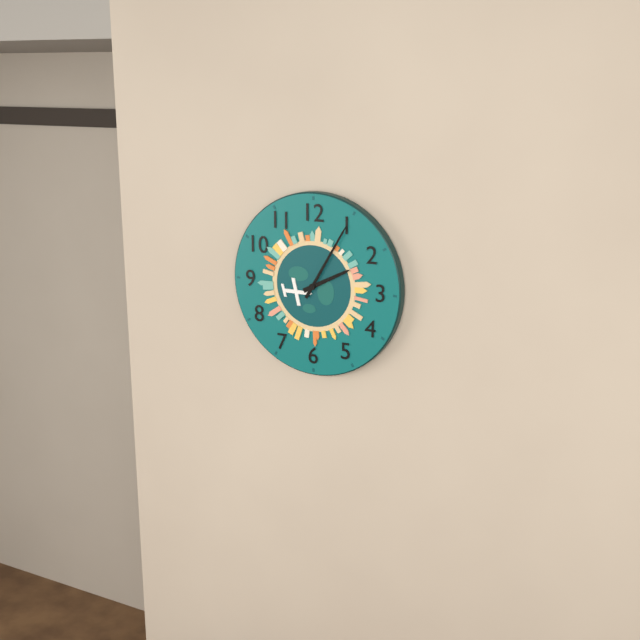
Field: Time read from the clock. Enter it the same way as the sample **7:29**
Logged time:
**2:05**
